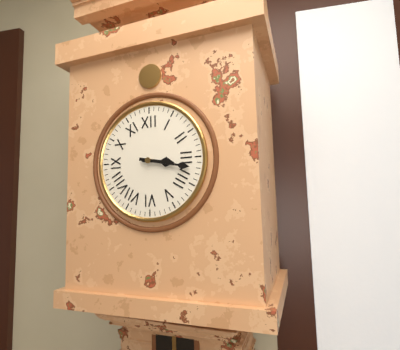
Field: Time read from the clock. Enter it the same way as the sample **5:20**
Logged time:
**3:17**
